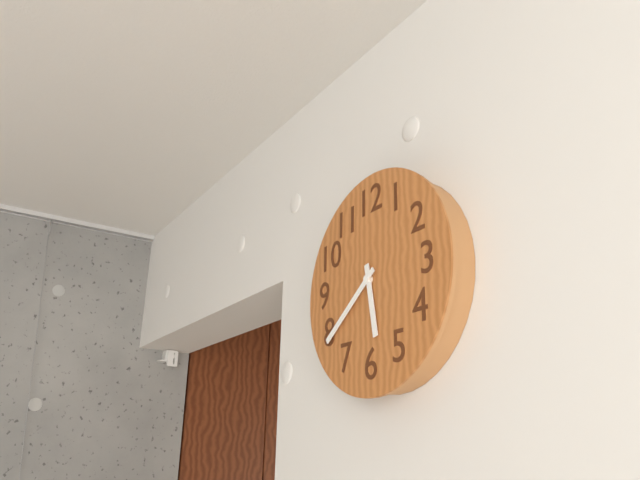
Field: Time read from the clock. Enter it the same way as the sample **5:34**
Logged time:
**5:39**
